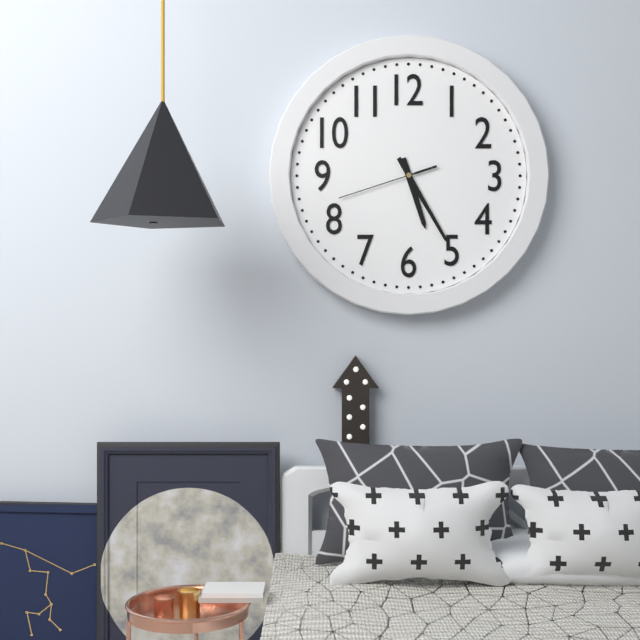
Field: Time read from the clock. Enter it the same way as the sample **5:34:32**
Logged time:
**5:25:42**
